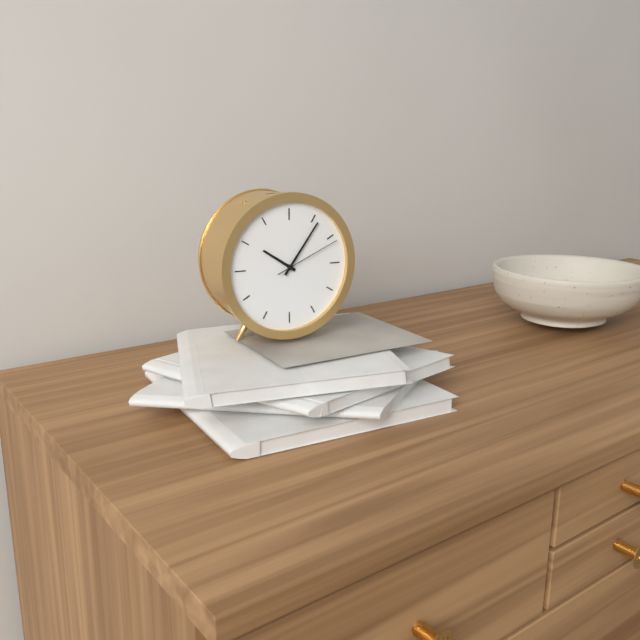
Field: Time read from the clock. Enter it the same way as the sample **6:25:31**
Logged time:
**10:06:11**
